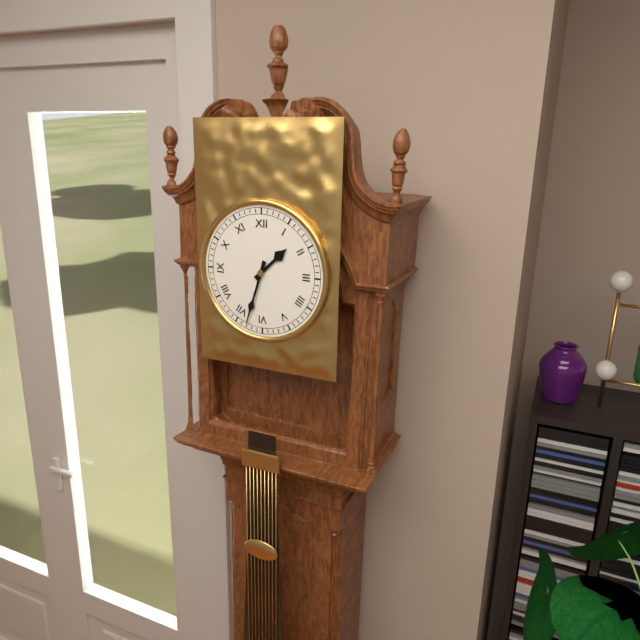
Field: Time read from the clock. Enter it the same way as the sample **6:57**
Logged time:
**1:33**
